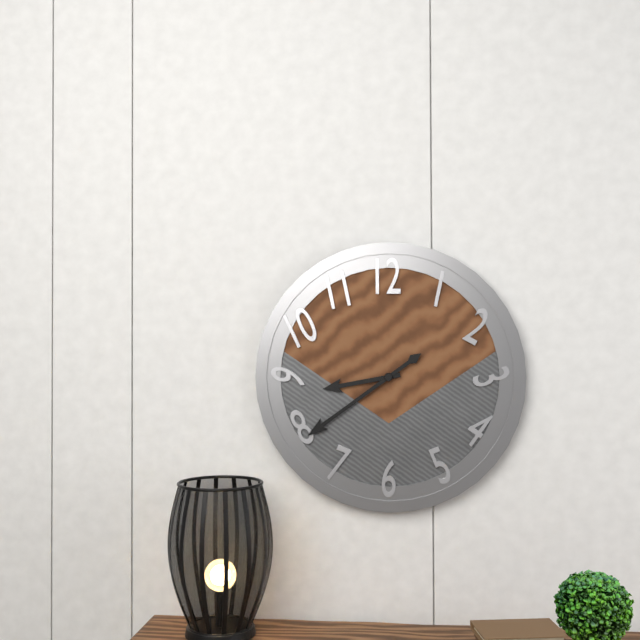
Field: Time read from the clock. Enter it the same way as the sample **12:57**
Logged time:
**8:39**
